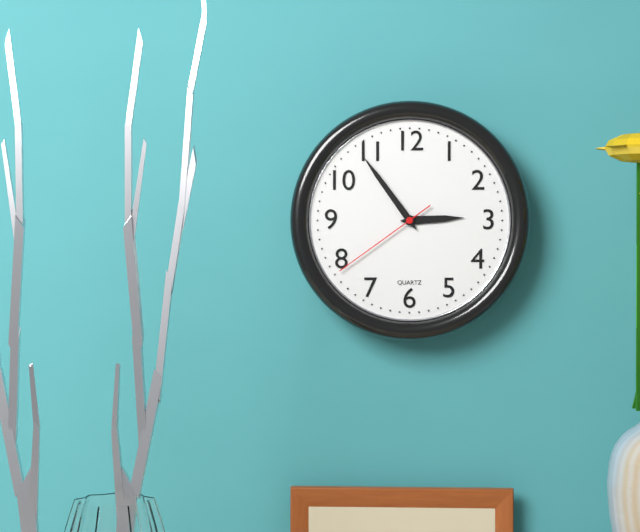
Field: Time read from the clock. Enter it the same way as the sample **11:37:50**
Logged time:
**2:54:39**
